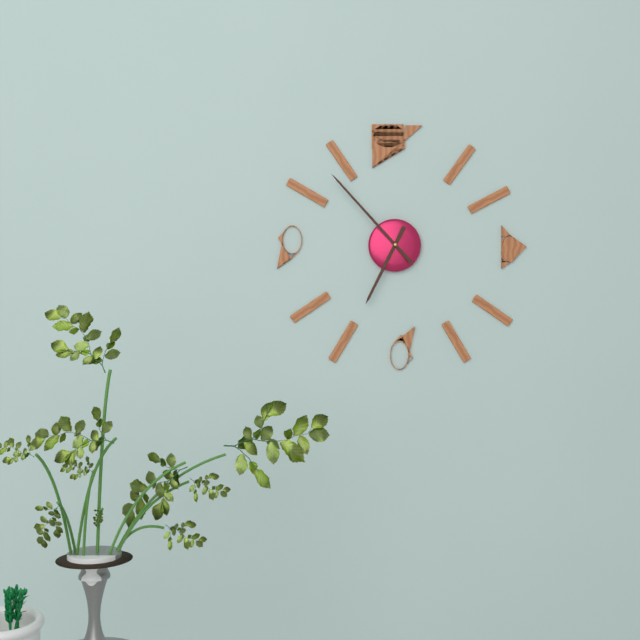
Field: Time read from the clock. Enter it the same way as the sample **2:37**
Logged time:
**6:53**
